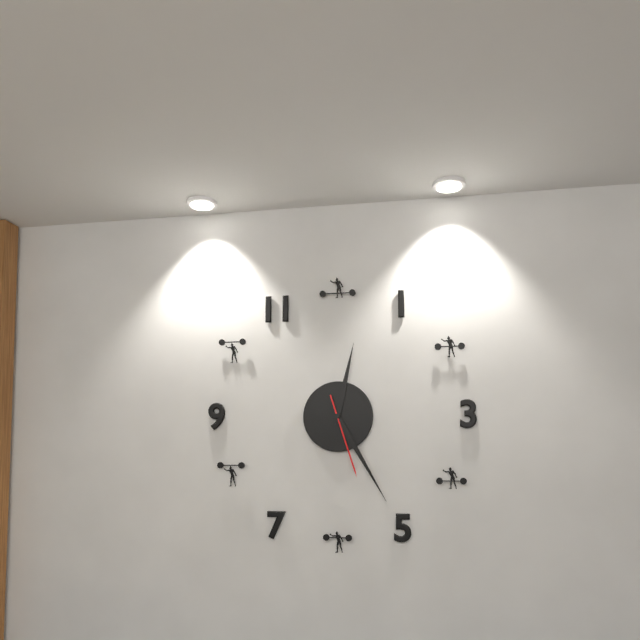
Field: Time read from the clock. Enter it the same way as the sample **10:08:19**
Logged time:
**12:25:27**
